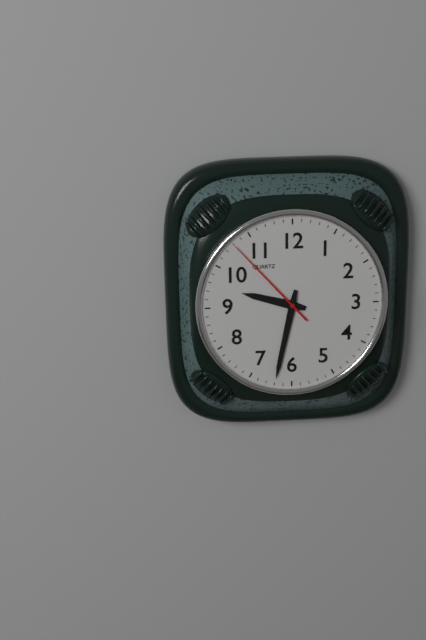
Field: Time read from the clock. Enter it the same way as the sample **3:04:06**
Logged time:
**9:32:53**
